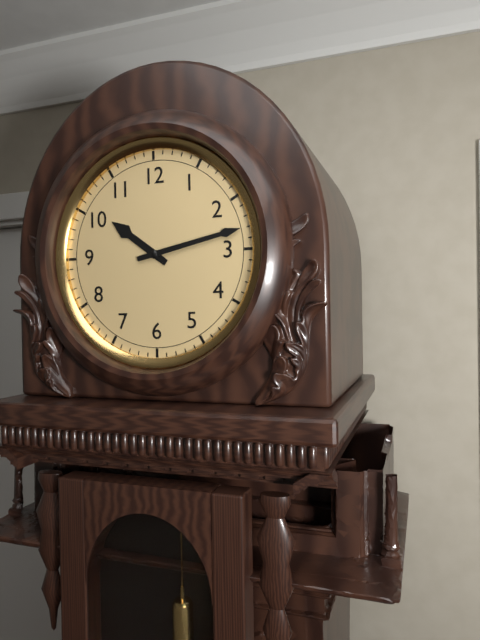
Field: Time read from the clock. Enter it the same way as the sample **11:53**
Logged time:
**10:13**
